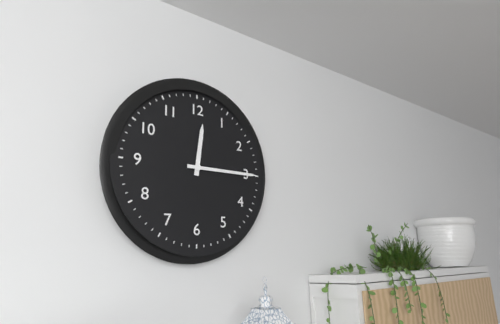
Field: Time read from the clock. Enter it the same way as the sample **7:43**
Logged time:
**12:15**
